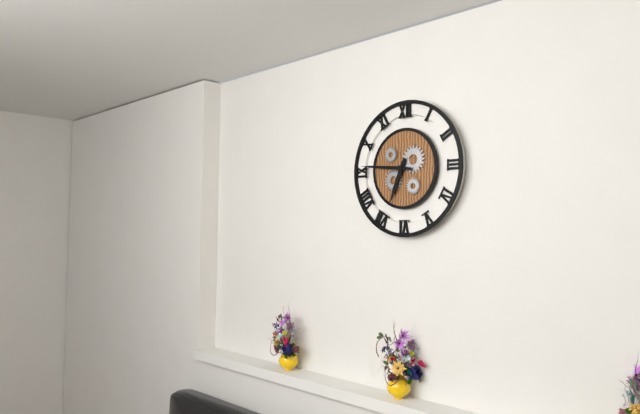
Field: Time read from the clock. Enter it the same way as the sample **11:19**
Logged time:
**6:46**
